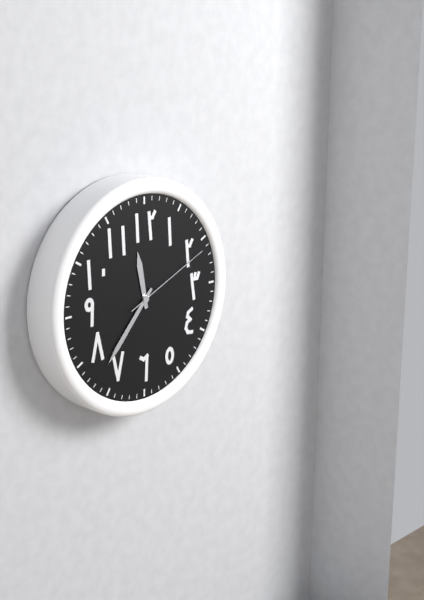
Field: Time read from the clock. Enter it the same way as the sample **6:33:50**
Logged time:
**11:37:11**
